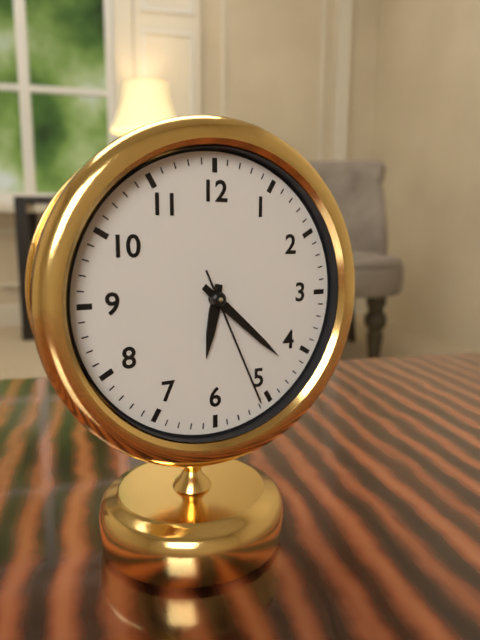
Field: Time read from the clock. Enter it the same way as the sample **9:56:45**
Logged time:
**6:22:26**
